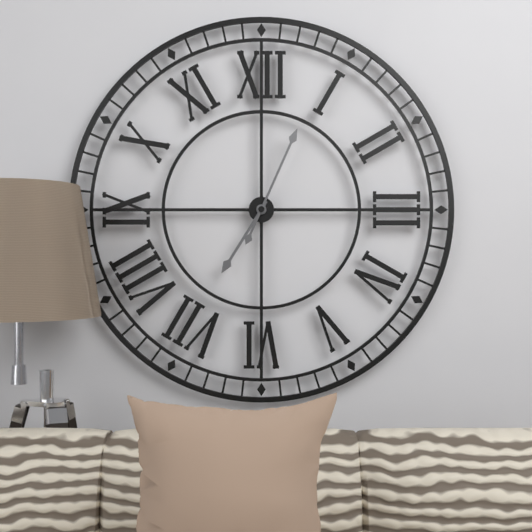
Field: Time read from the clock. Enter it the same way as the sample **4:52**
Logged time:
**7:04**
